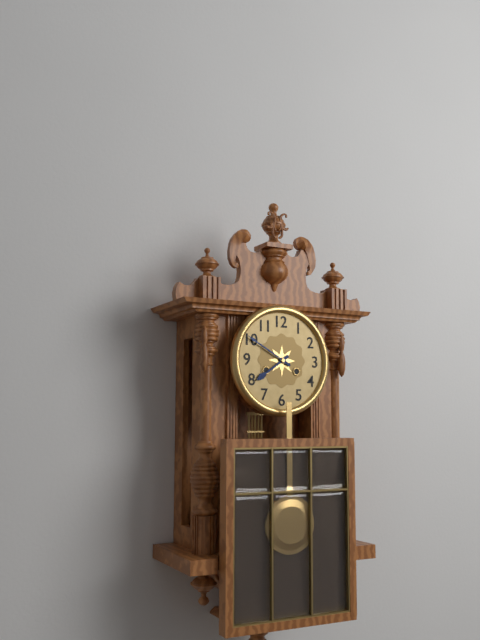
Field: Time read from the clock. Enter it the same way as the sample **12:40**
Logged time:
**7:50**
